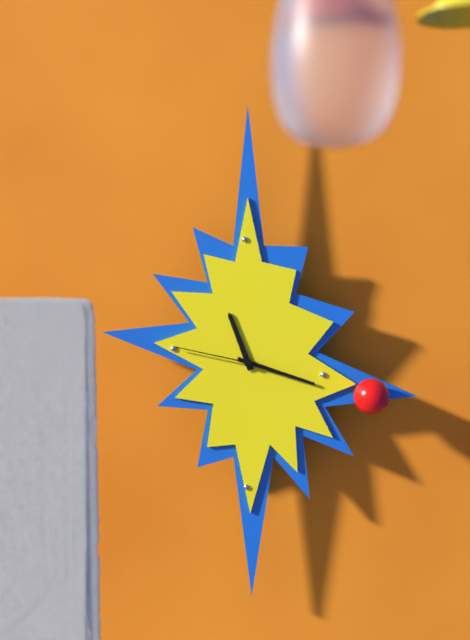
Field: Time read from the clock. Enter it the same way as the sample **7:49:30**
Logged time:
**11:18:47**
